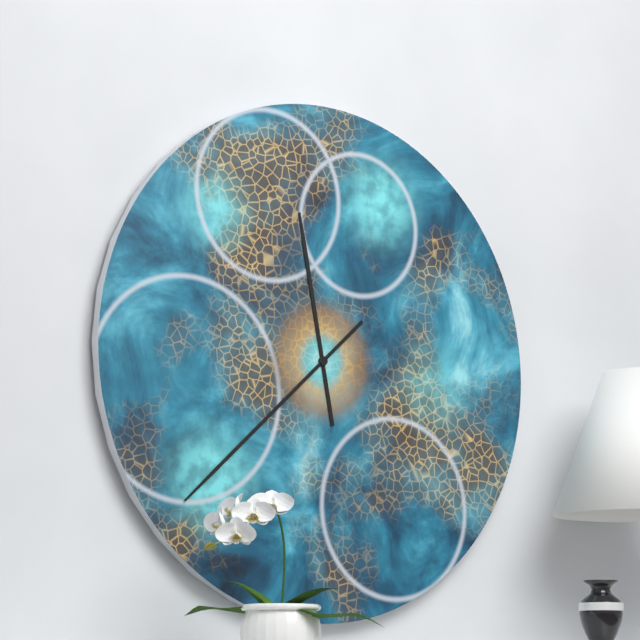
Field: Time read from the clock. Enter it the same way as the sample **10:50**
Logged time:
**11:38**
